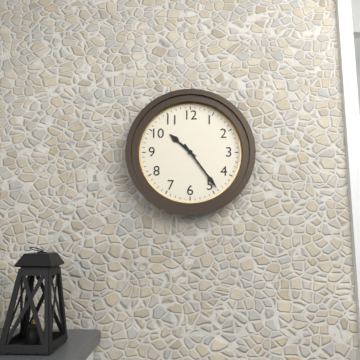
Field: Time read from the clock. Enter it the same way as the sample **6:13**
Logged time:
**10:24**
